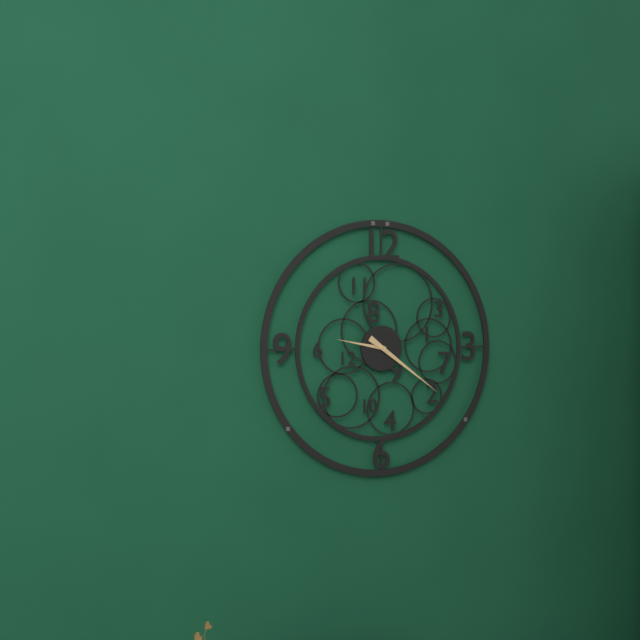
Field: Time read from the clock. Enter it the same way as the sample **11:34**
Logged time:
**9:21**
